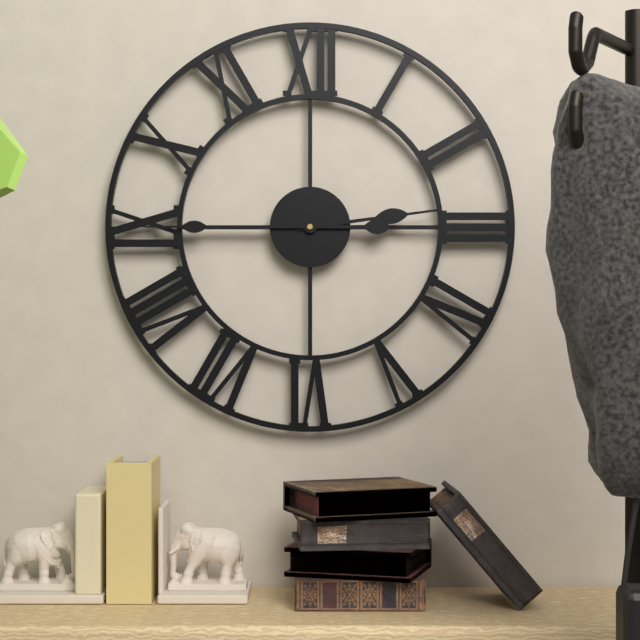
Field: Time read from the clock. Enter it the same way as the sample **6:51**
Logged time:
**2:45**
